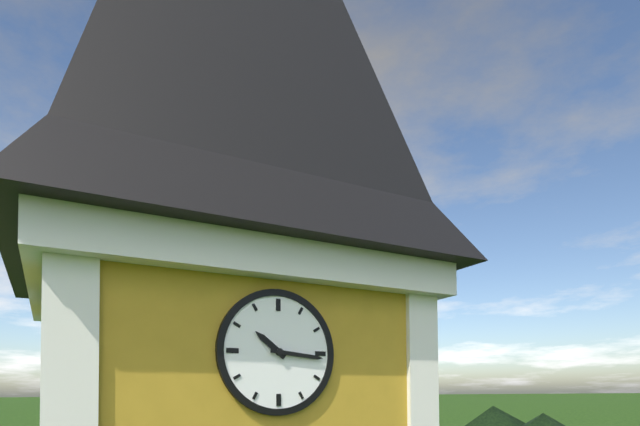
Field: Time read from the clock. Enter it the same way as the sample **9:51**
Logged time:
**10:16**
